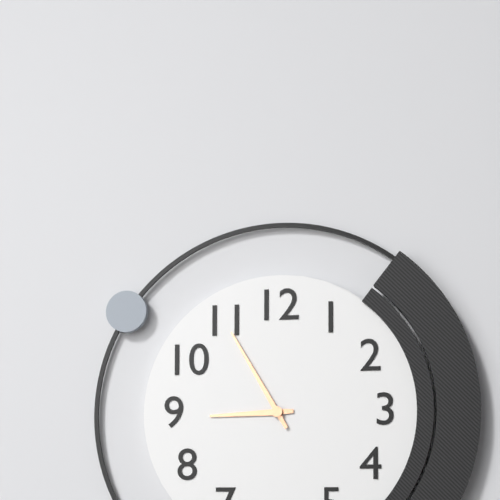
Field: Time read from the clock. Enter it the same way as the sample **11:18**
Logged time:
**8:55**
